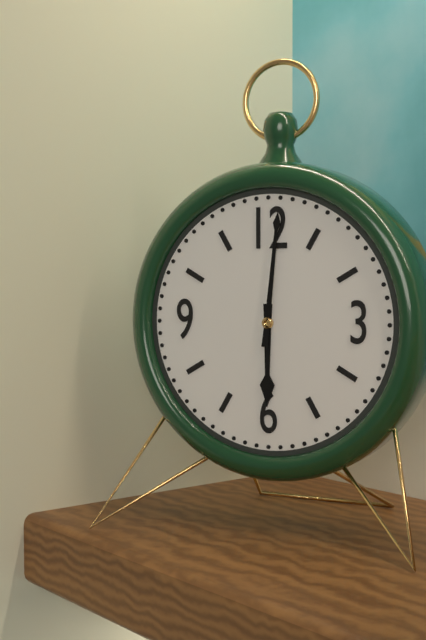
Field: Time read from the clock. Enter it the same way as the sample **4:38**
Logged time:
**6:01**
